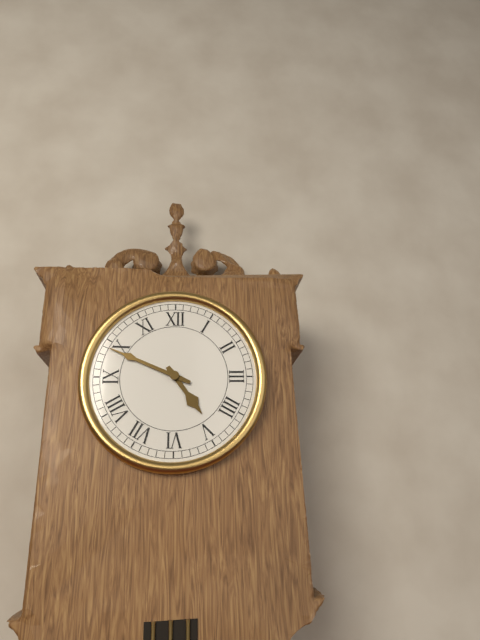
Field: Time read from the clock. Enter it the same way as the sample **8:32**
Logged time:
**4:49**
